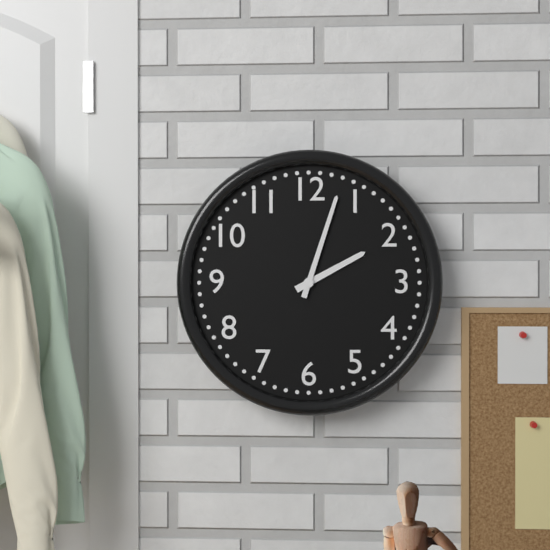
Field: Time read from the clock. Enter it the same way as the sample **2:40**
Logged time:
**2:03**
